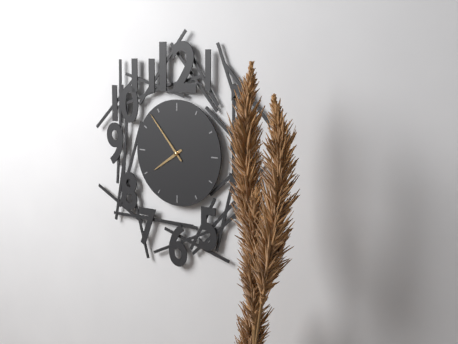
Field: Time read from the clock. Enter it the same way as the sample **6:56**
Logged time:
**7:53**
